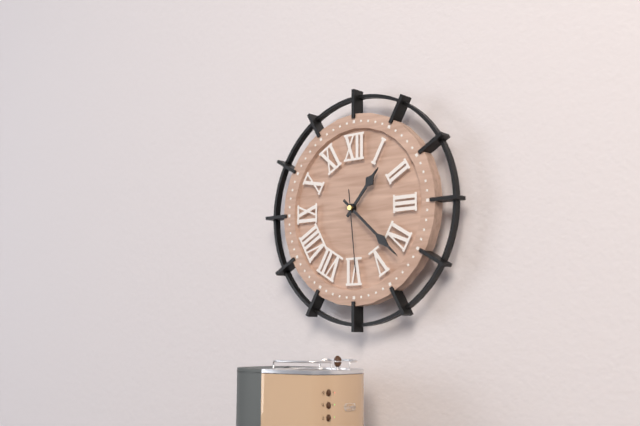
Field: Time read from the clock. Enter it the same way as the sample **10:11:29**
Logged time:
**1:22:29**
